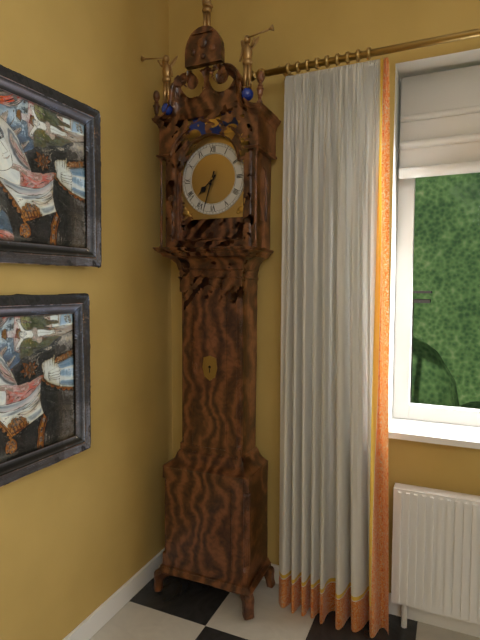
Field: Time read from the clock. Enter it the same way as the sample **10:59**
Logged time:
**7:33**
